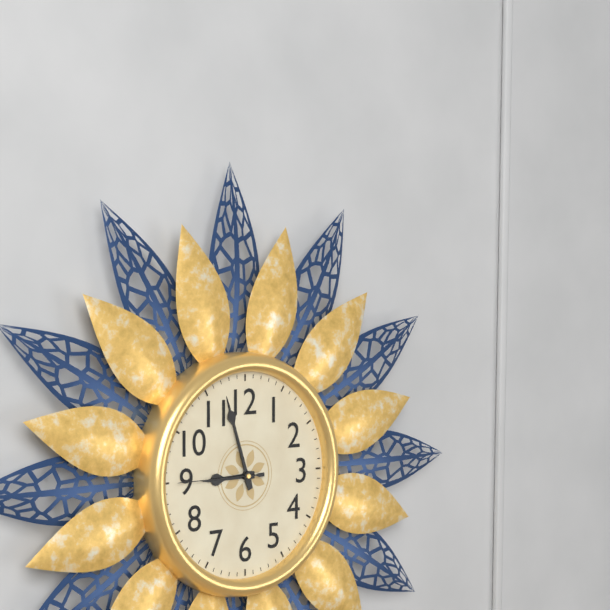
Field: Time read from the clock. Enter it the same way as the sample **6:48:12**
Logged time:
**8:57:45**
